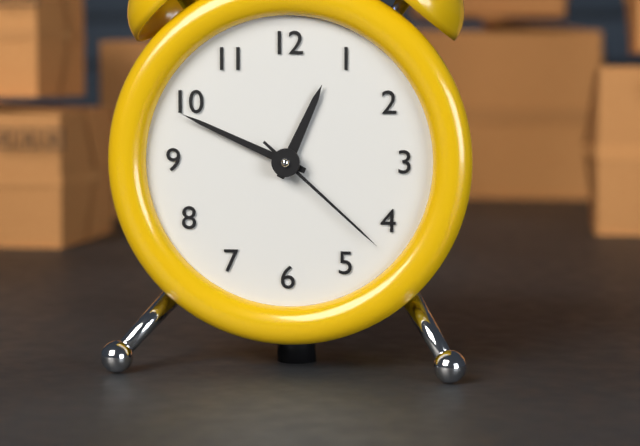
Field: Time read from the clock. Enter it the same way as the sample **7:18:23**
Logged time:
**12:49:22**
